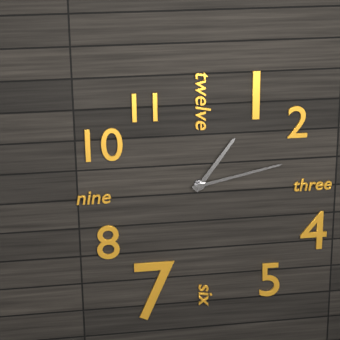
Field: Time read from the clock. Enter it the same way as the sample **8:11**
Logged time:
**1:13**
